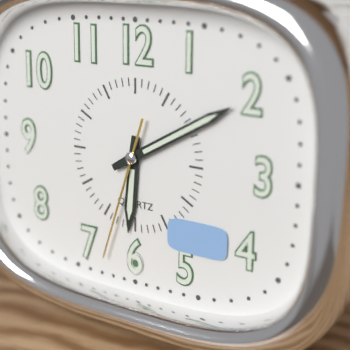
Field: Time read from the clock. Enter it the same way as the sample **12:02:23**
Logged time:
**6:10:33**
